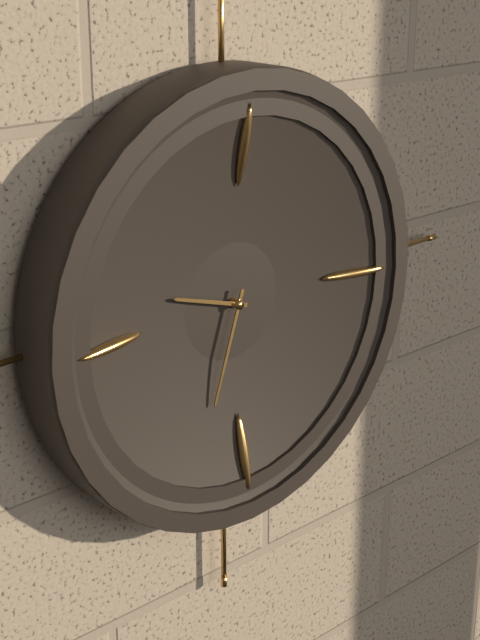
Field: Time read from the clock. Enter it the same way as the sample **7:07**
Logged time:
**9:33**
